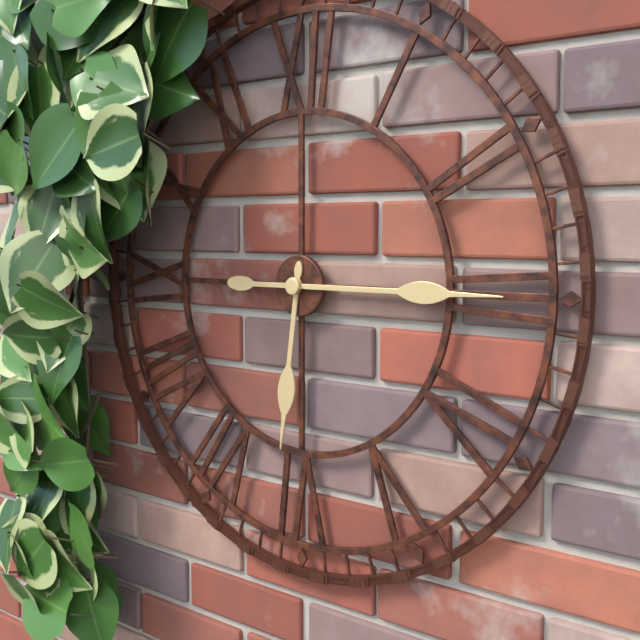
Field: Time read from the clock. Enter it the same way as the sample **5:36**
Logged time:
**6:15**
